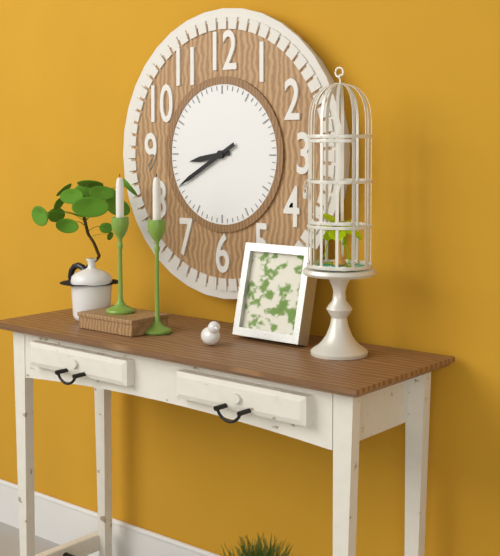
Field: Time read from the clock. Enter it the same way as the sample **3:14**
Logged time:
**8:40**
